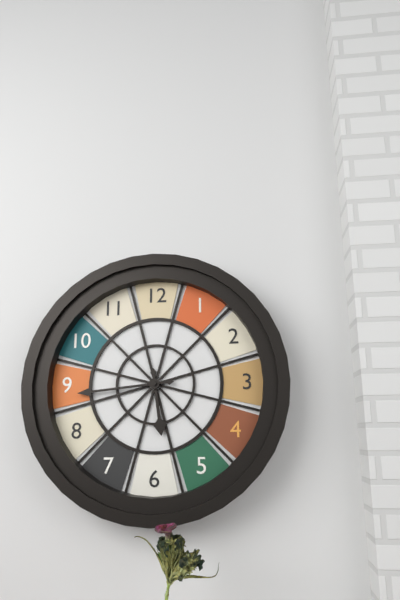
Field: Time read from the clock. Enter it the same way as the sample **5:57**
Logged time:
**5:44**
